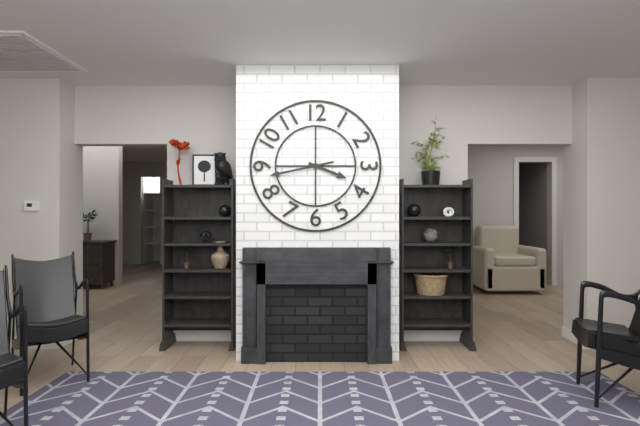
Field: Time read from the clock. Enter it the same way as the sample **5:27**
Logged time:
**3:43**
